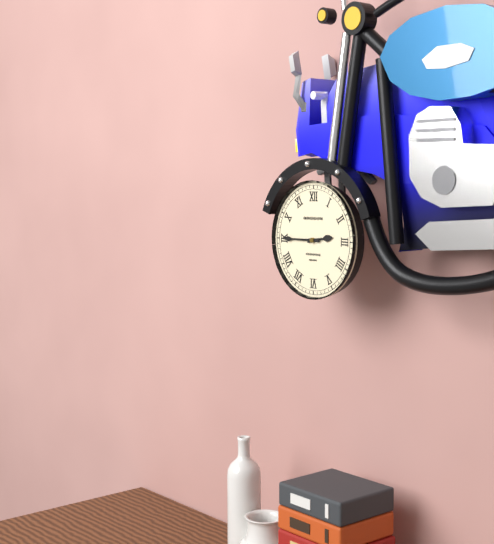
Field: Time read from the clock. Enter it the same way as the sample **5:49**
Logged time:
**2:45**
